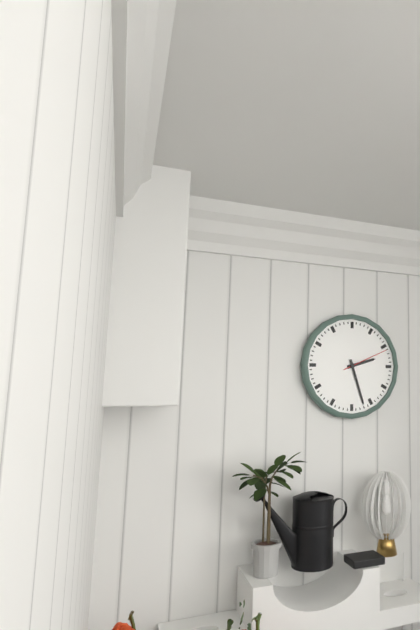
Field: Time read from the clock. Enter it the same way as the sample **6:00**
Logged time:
**2:27**
